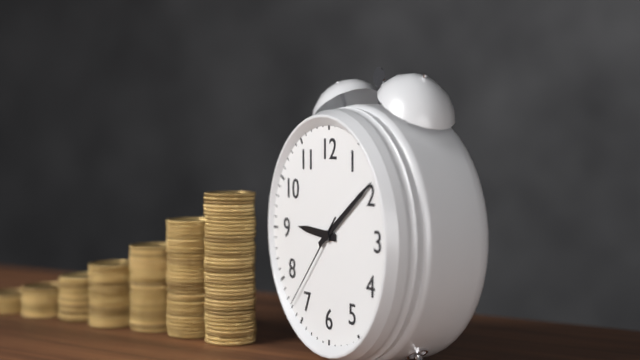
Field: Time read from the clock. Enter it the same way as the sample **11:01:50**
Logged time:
**9:09:37**
